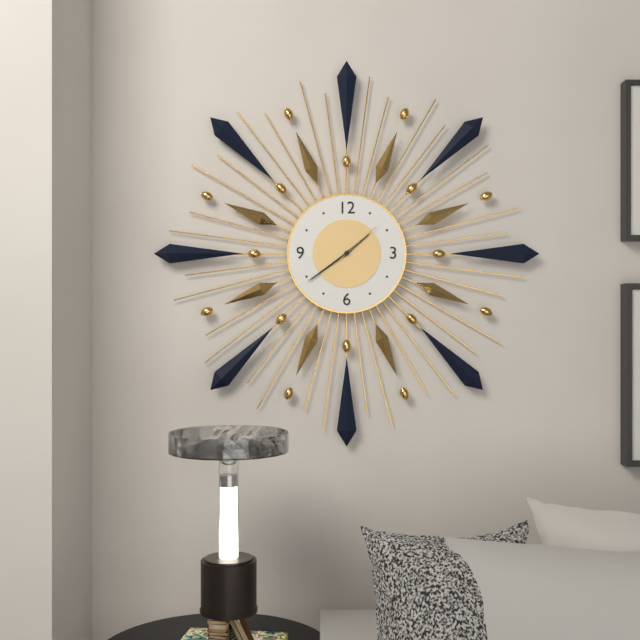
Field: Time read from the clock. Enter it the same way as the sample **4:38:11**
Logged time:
**1:39:08**
